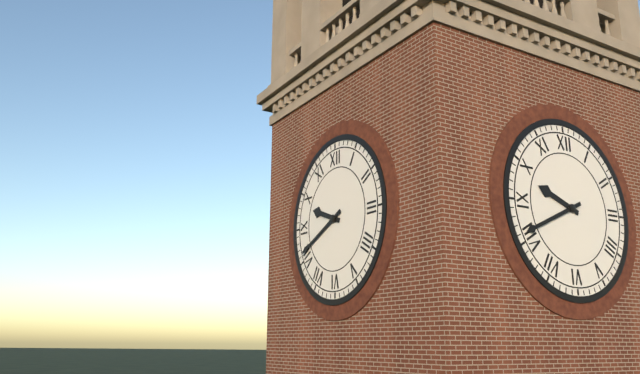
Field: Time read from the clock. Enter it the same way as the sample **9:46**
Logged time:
**9:41**
